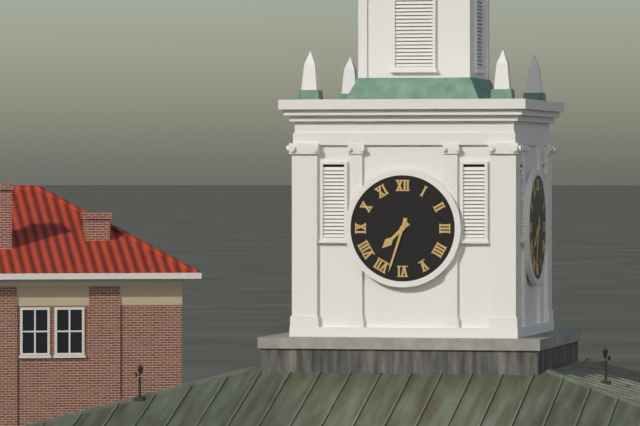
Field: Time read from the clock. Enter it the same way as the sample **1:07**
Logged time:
**7:33**
